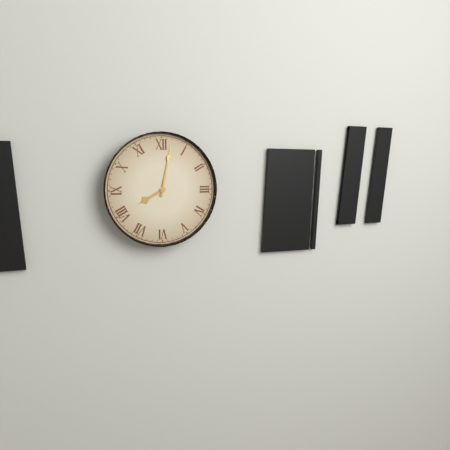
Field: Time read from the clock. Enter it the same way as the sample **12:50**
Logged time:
**8:02**
